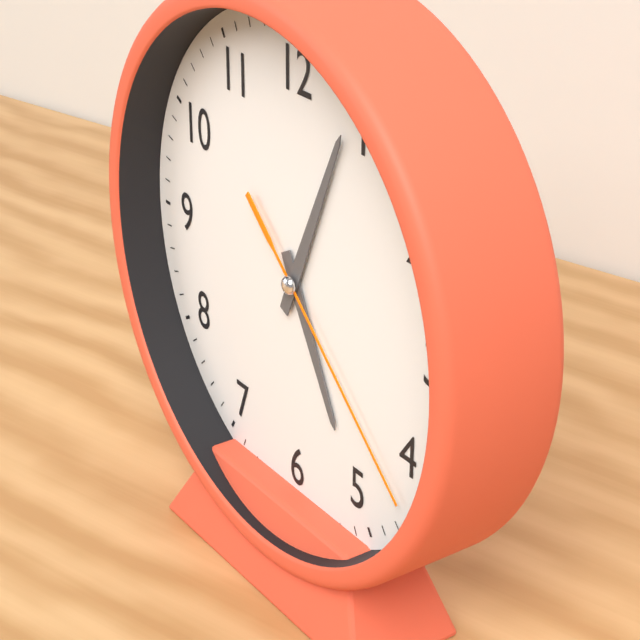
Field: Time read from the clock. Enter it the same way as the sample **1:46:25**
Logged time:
**5:04:22**
